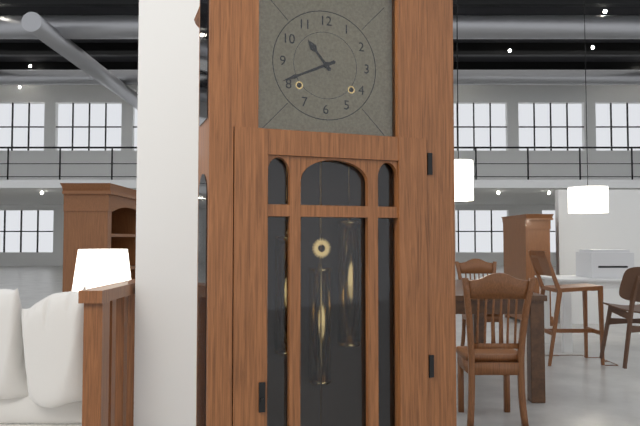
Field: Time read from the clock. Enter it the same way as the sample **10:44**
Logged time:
**10:41**
